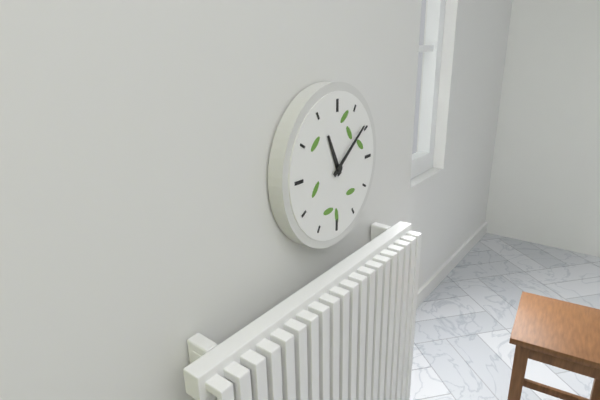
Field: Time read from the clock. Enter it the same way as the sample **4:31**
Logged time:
**11:09**
